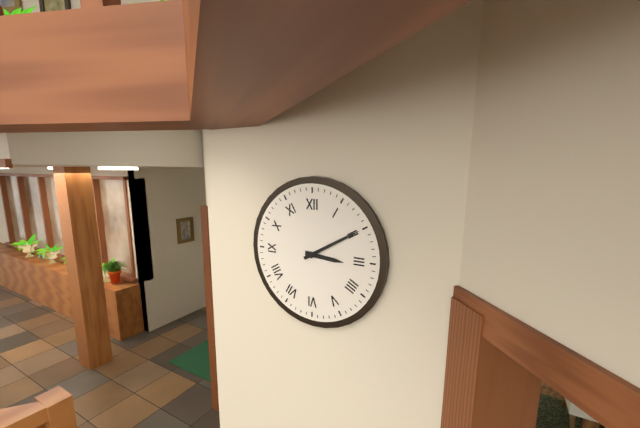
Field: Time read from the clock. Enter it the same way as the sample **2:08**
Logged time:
**3:10**
